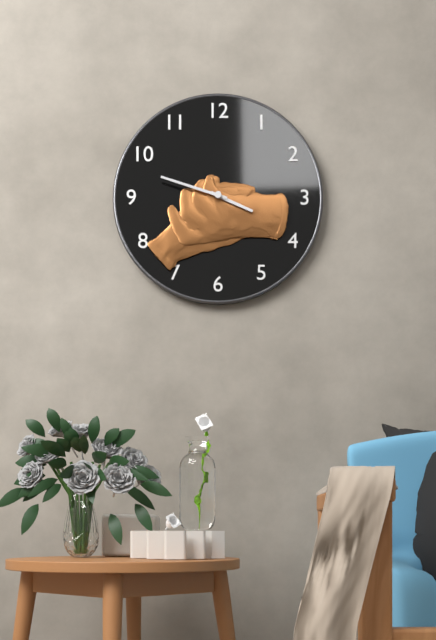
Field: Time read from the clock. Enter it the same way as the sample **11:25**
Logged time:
**3:48**
